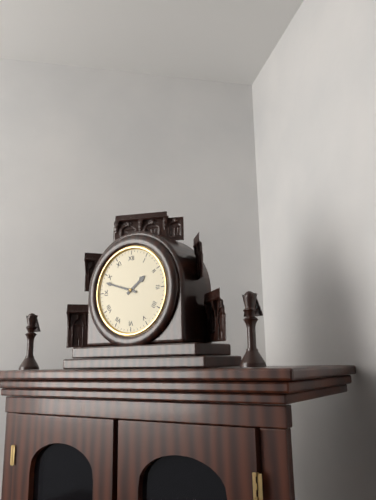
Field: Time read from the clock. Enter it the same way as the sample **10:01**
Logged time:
**1:48**
